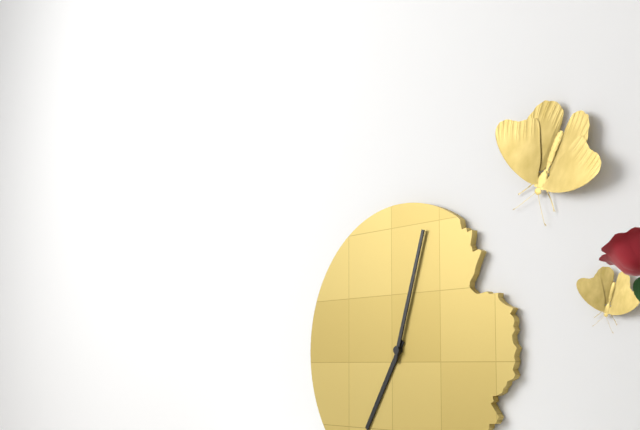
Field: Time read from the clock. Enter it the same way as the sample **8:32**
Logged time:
**7:03**
